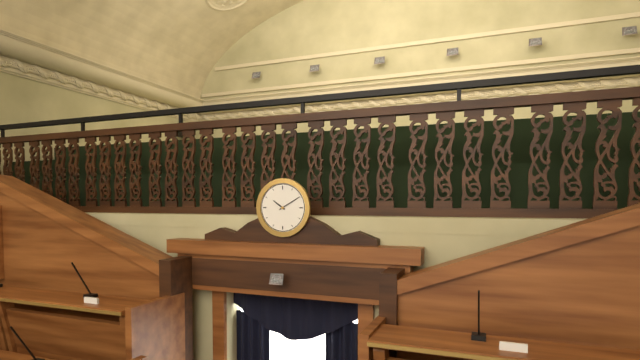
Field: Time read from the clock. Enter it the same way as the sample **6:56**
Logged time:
**10:10**
